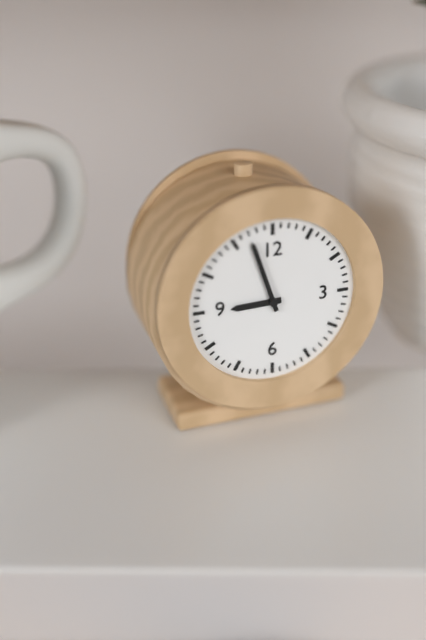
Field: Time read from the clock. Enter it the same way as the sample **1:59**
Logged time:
**8:57**
